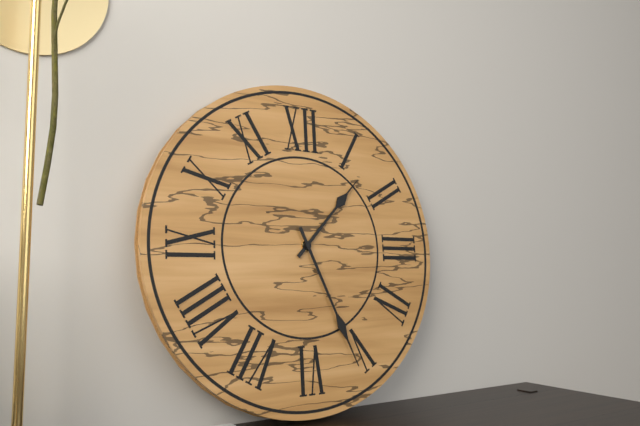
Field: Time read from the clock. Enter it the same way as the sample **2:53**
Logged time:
**1:26**
